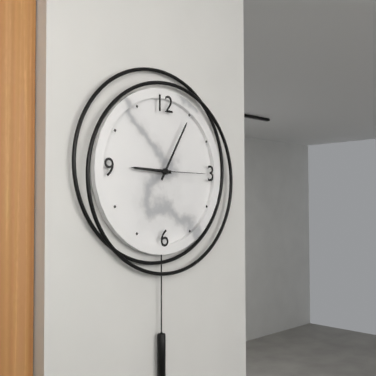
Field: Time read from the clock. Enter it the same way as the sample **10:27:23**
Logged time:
**9:05:15**
